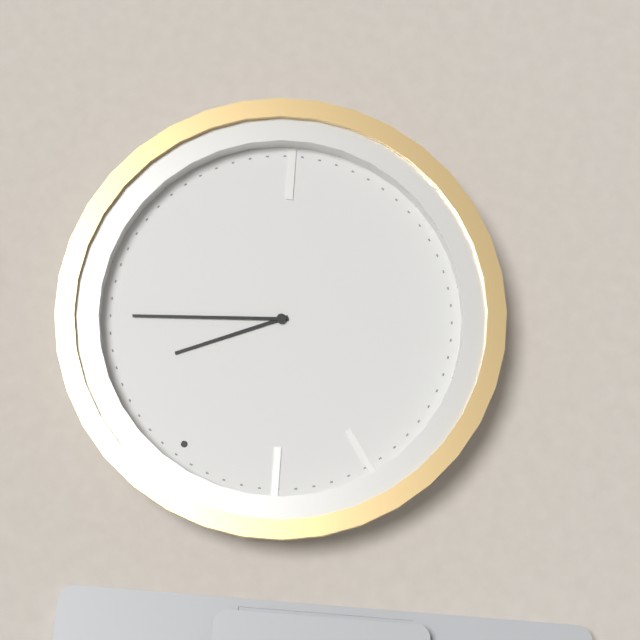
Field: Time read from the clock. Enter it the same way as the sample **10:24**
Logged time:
**1:09**
